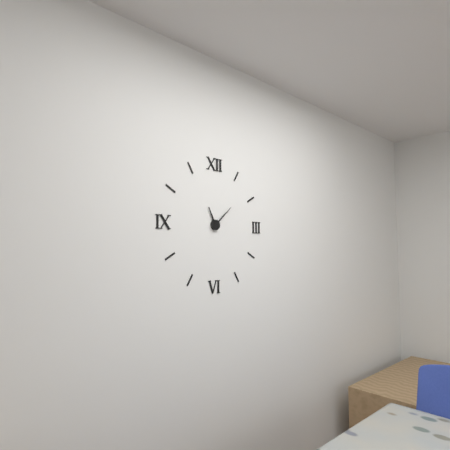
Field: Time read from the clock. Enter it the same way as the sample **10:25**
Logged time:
**11:08**
